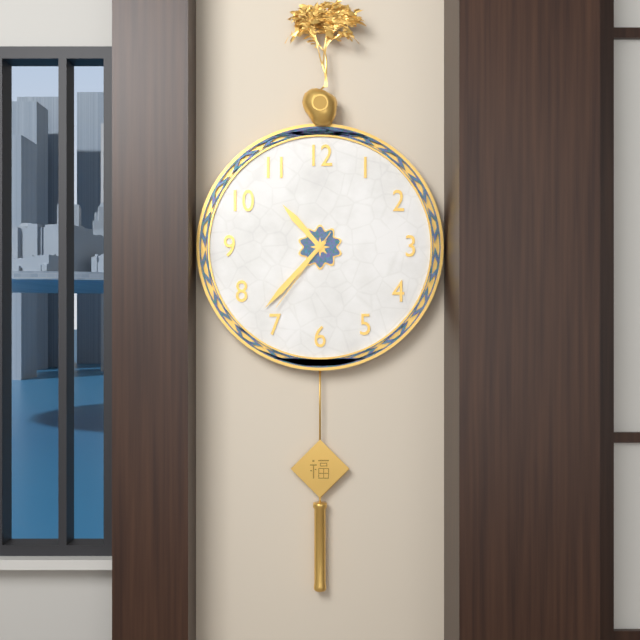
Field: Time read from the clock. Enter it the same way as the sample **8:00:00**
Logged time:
**10:37:36**
